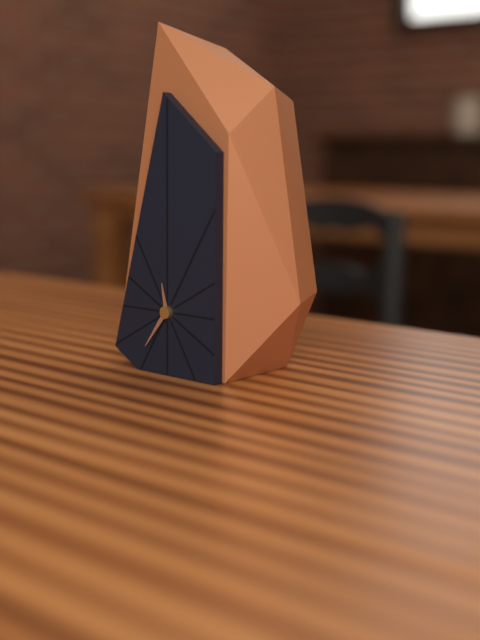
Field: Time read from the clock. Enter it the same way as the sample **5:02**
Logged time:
**11:36**
